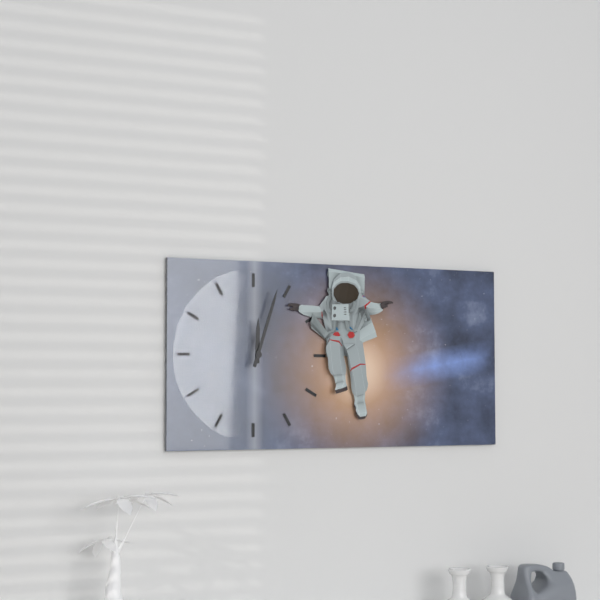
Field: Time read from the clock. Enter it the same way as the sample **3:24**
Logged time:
**12:03**
